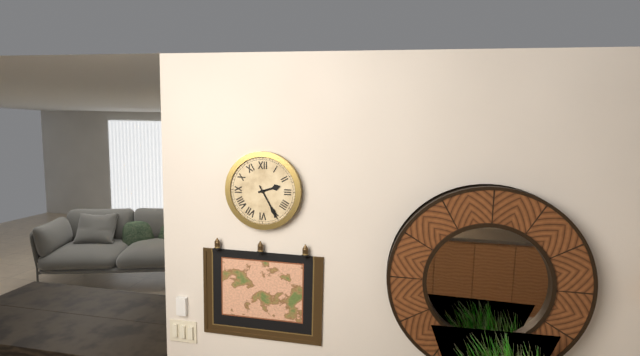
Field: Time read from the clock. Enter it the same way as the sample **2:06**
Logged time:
**2:25**
